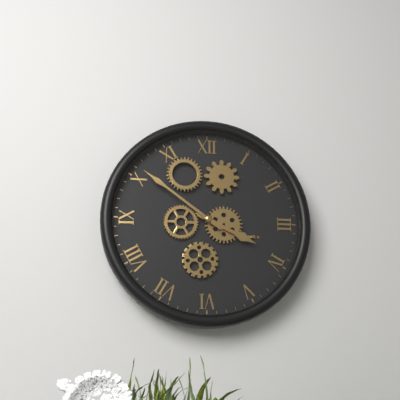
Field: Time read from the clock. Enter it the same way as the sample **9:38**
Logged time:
**3:51**
